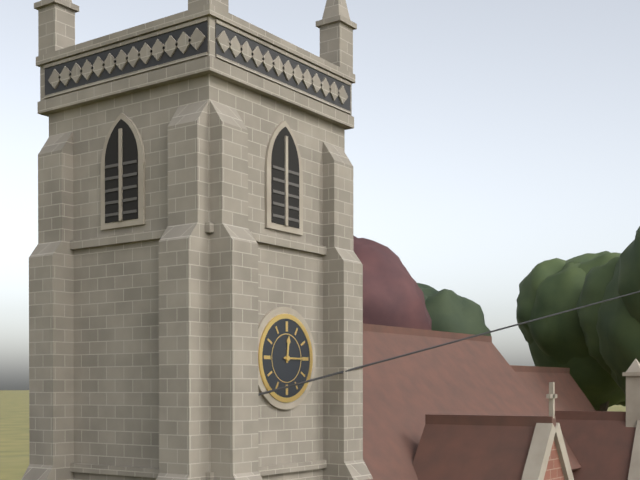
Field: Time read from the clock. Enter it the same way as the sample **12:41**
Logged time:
**12:15**
